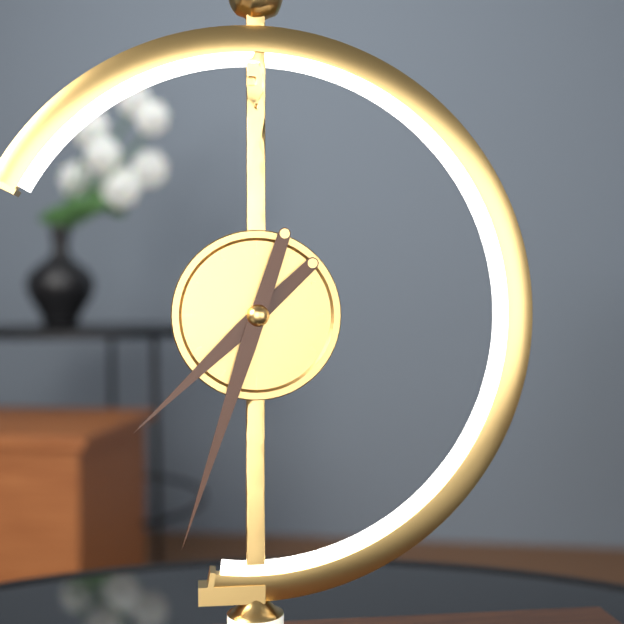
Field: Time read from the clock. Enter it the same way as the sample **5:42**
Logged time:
**7:33**
